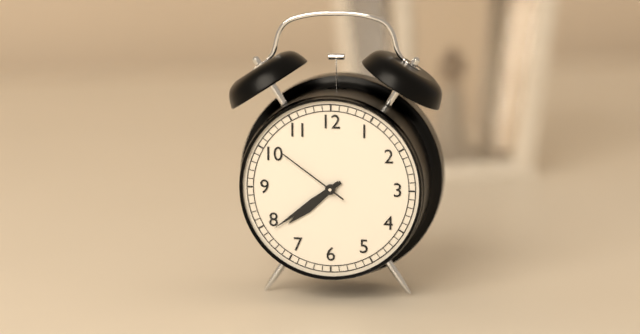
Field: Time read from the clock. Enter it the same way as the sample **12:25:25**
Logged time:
**7:39:51**
